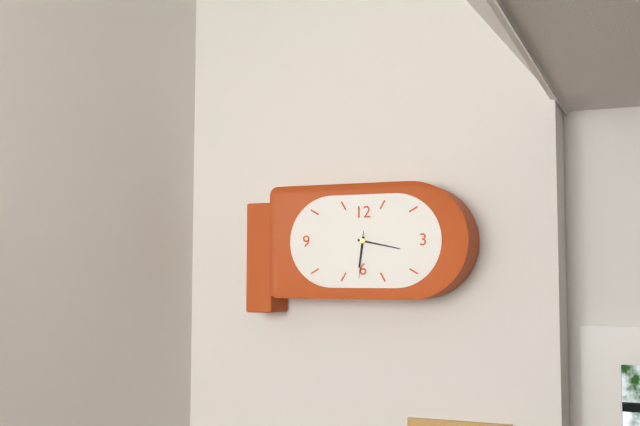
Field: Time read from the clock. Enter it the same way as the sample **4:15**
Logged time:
**6:17**
